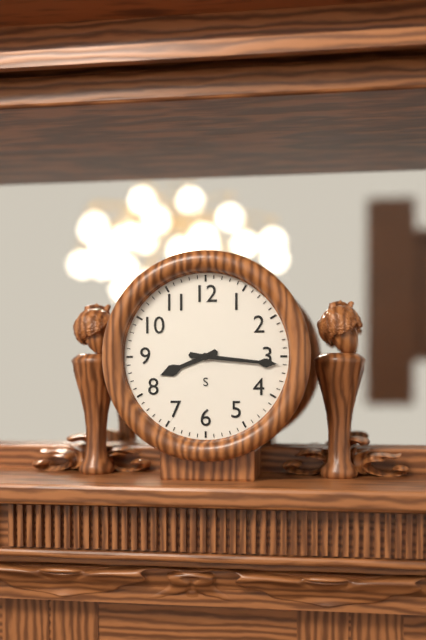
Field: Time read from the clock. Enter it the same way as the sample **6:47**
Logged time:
**8:16**
